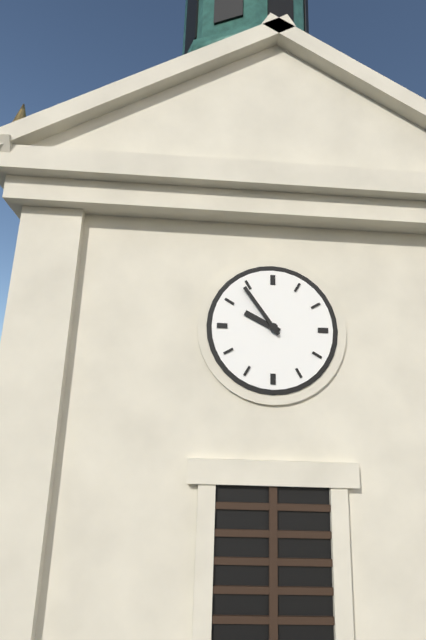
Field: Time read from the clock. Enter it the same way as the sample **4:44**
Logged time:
**9:54**
